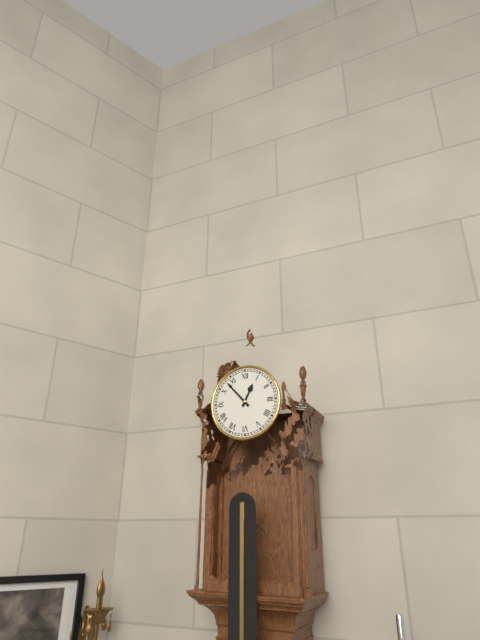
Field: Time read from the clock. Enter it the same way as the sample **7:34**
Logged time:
**12:53**
